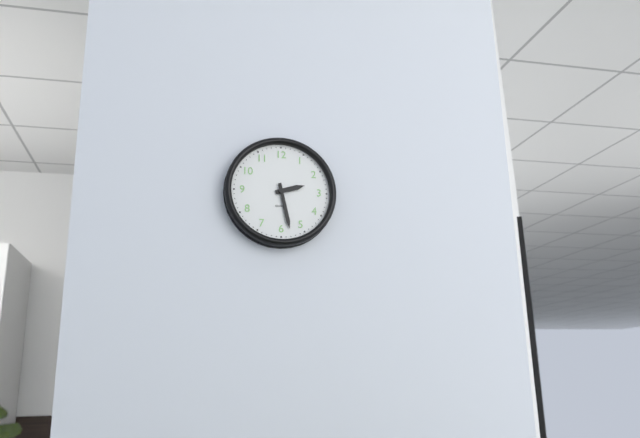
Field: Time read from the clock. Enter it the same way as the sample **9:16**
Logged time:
**2:28**
